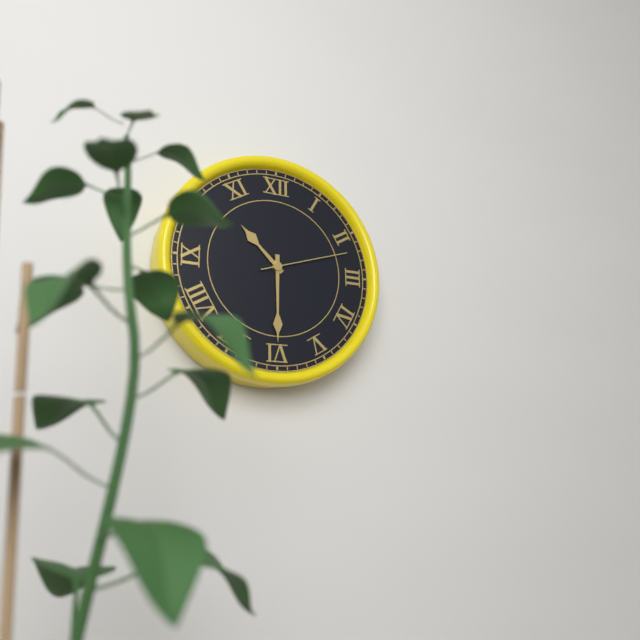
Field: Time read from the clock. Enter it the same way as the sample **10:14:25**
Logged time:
**10:30:12**
